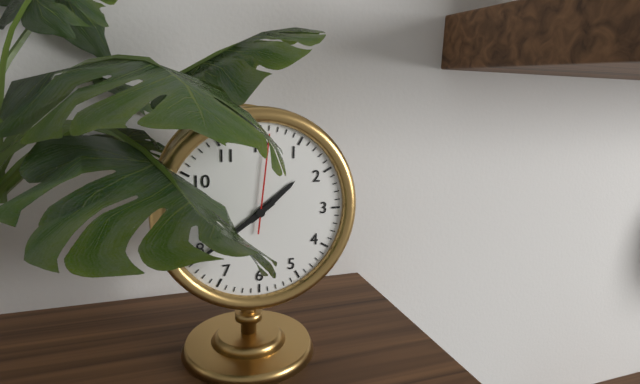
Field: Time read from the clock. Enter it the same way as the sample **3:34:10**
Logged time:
**1:39:01**
